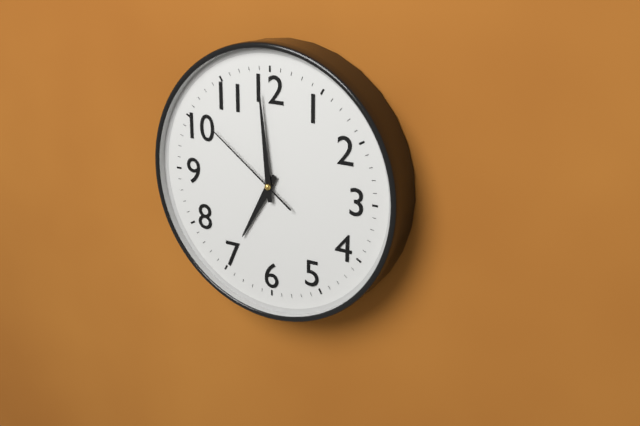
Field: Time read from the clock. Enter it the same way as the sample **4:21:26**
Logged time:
**6:59:51**
